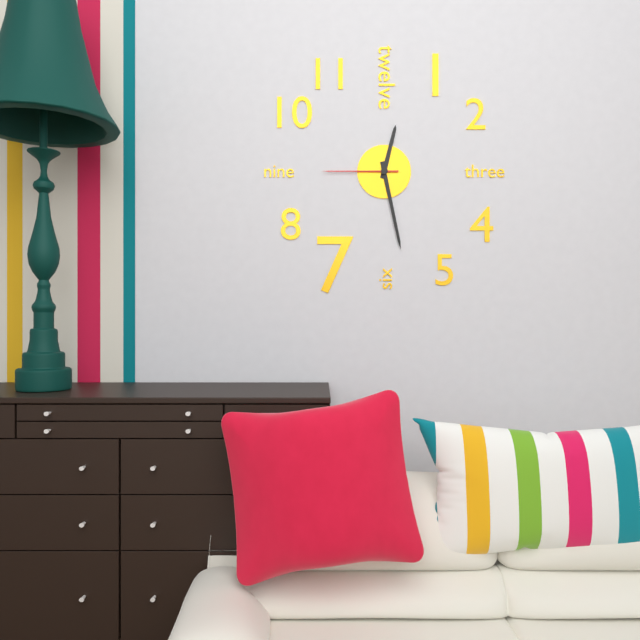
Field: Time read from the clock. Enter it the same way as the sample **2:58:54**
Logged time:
**12:28:45**
